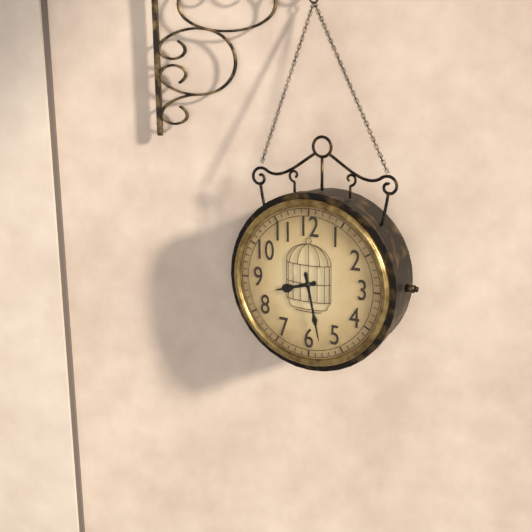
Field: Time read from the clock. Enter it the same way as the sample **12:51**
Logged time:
**8:28**
